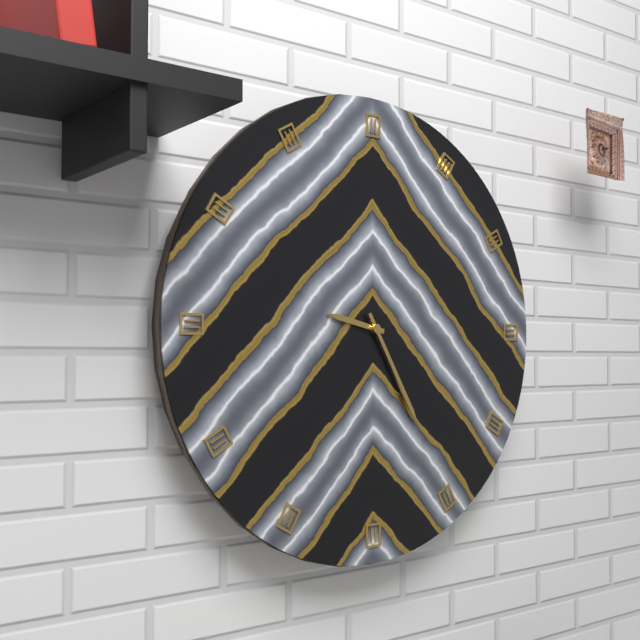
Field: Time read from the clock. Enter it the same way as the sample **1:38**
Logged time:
**9:25**
